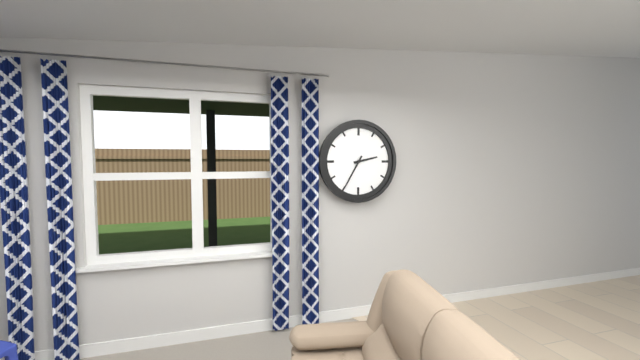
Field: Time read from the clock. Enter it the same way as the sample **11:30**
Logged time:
**2:35**
